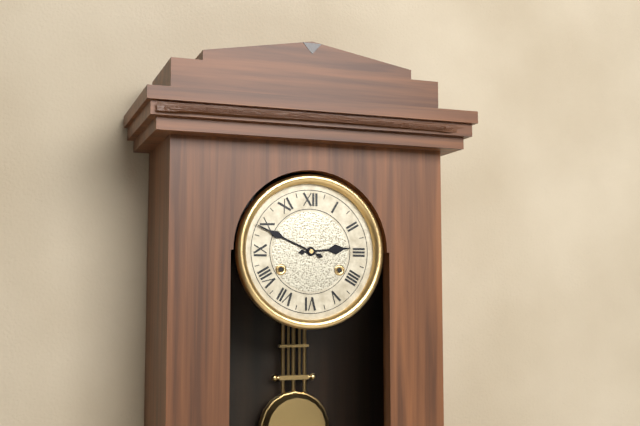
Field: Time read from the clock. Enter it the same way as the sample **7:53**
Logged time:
**2:49**
